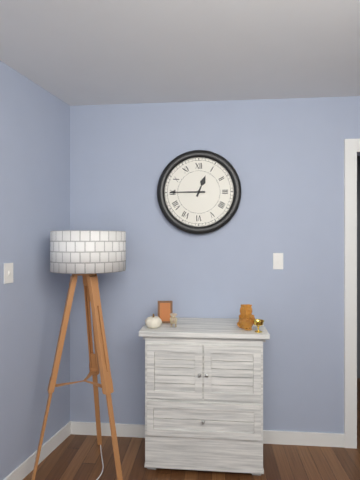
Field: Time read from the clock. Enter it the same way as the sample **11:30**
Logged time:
**12:45**
